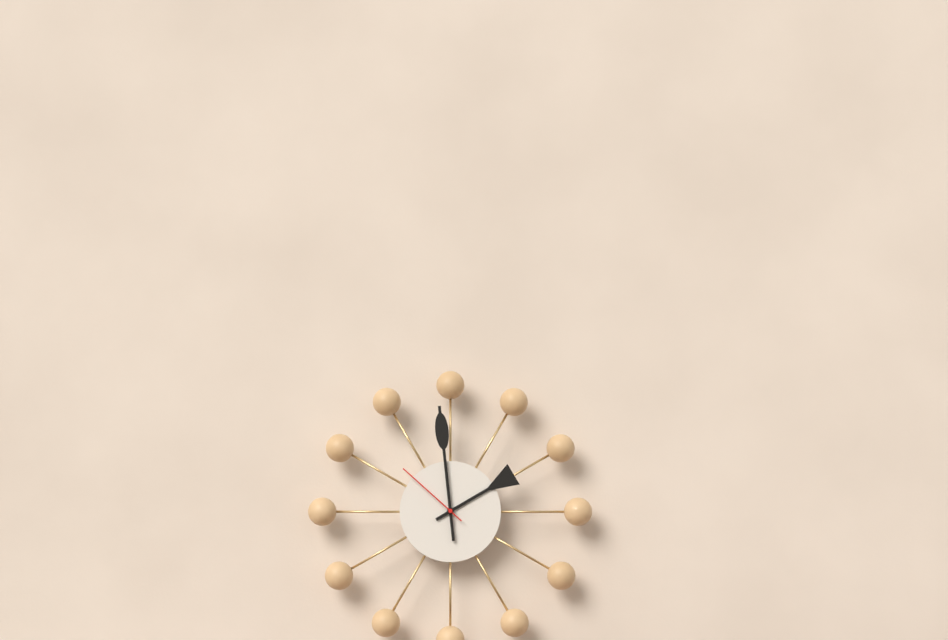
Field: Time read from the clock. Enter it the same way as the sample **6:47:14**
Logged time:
**1:59:52**
